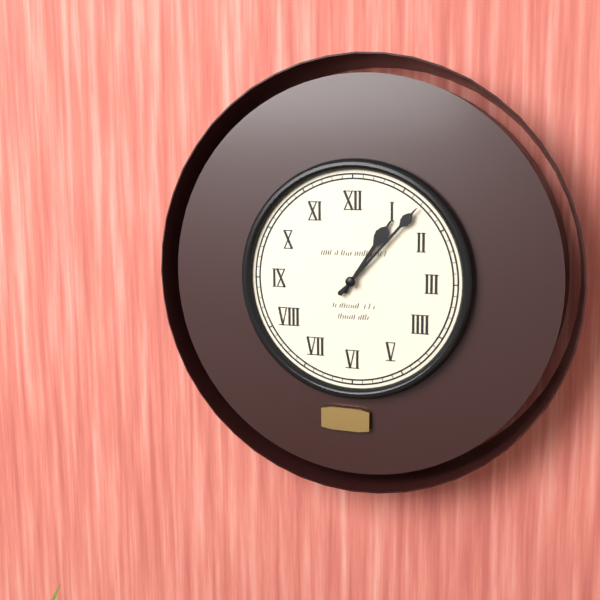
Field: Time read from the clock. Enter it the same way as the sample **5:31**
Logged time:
**1:07**
